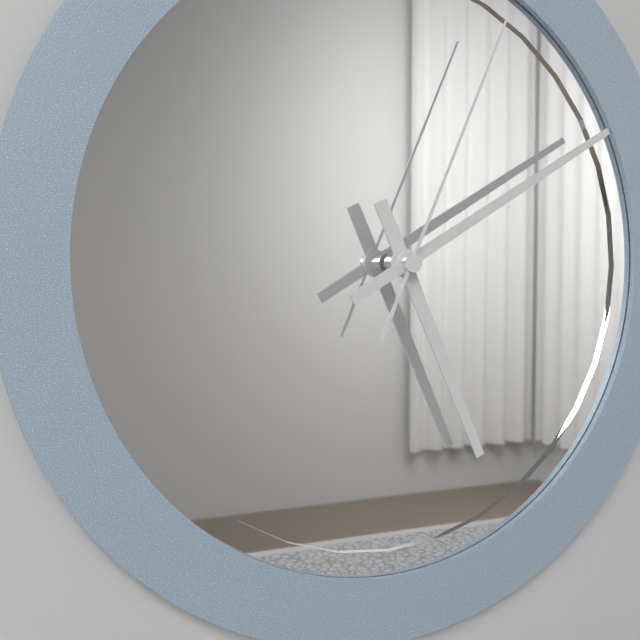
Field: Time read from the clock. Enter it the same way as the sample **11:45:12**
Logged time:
**5:10:04**
